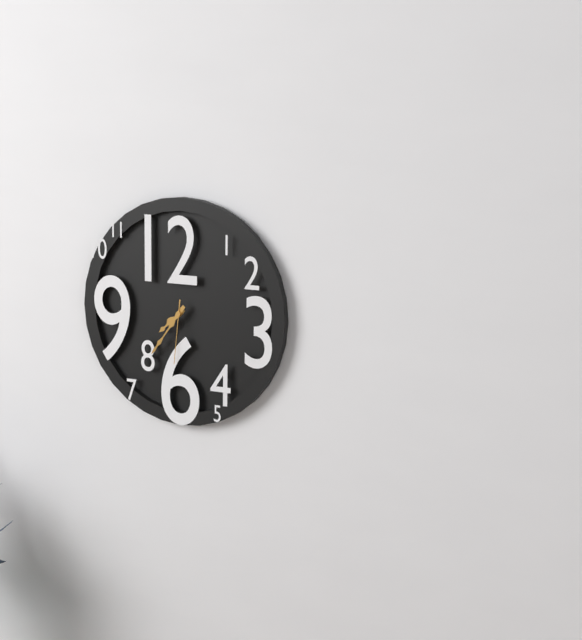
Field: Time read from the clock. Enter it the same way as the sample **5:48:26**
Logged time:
**7:36:31**
